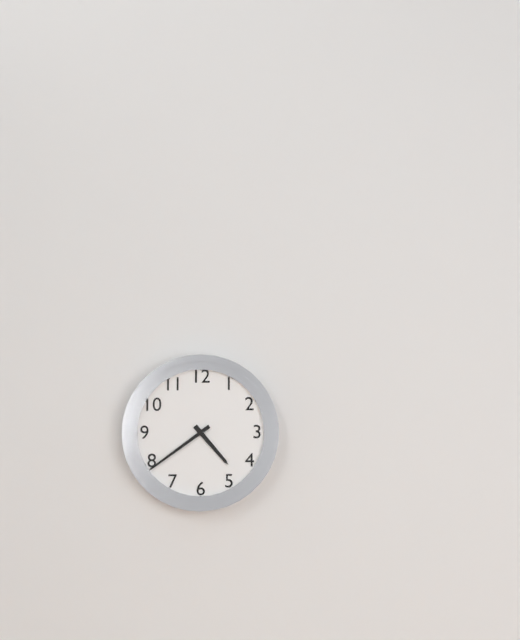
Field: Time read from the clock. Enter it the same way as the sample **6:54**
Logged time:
**4:39**
